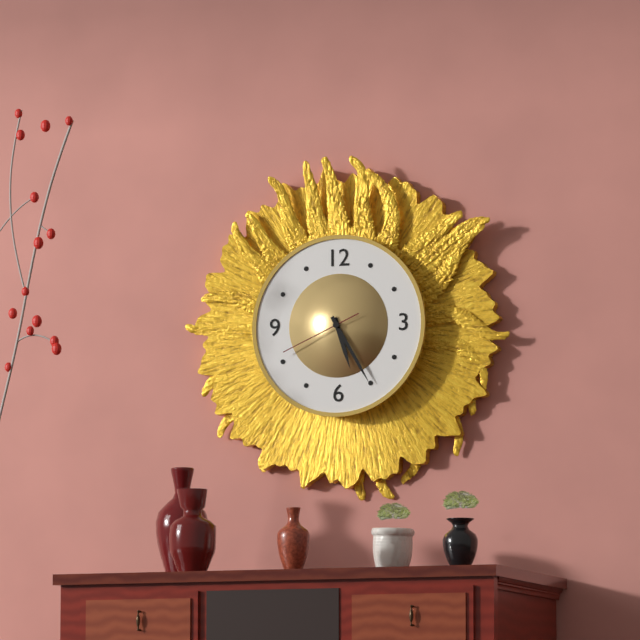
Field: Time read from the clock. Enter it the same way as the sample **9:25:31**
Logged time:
**5:25:41**
